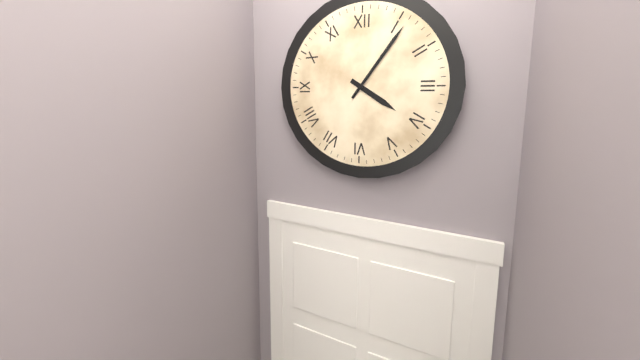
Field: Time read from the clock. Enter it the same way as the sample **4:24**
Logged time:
**4:06**
